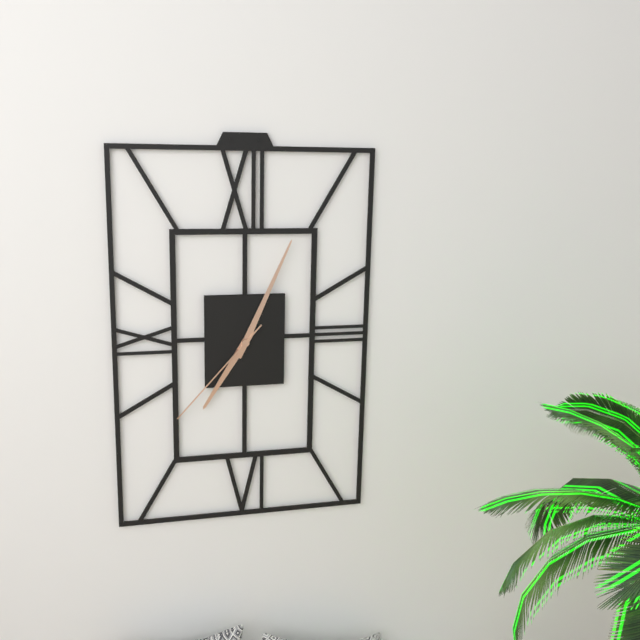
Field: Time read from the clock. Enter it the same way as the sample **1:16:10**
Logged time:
**7:04:37**
